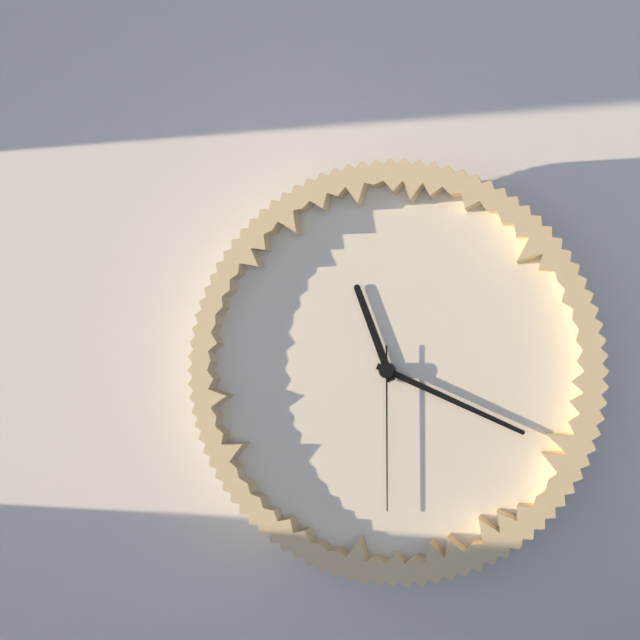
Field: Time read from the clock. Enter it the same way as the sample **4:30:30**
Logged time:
**11:19:30**
